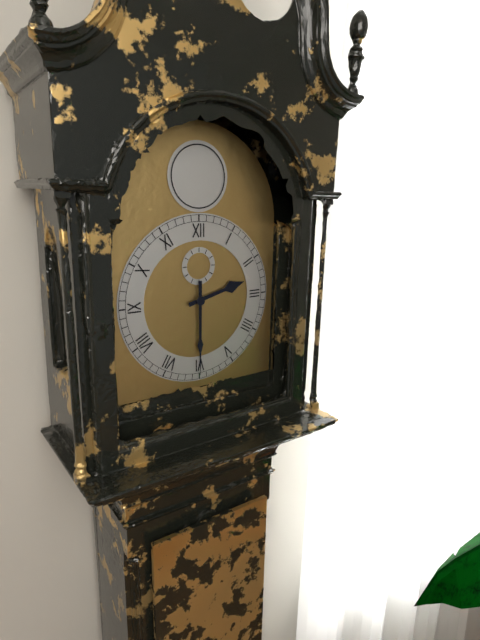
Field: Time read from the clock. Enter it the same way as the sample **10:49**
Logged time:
**2:30**
